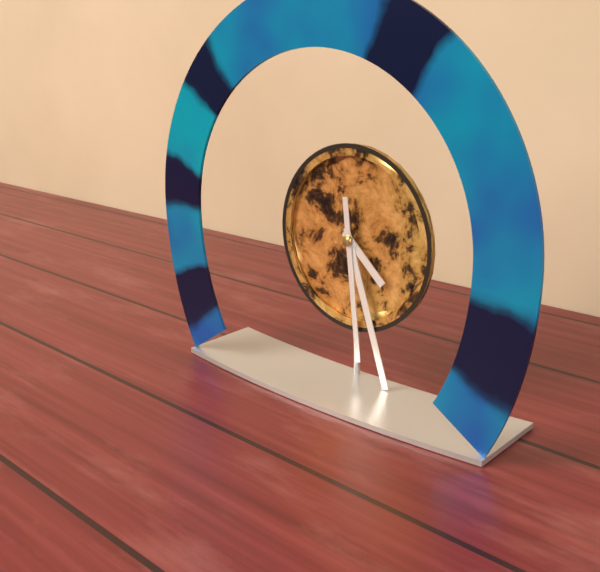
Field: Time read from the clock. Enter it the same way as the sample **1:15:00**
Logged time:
**4:27:29**
